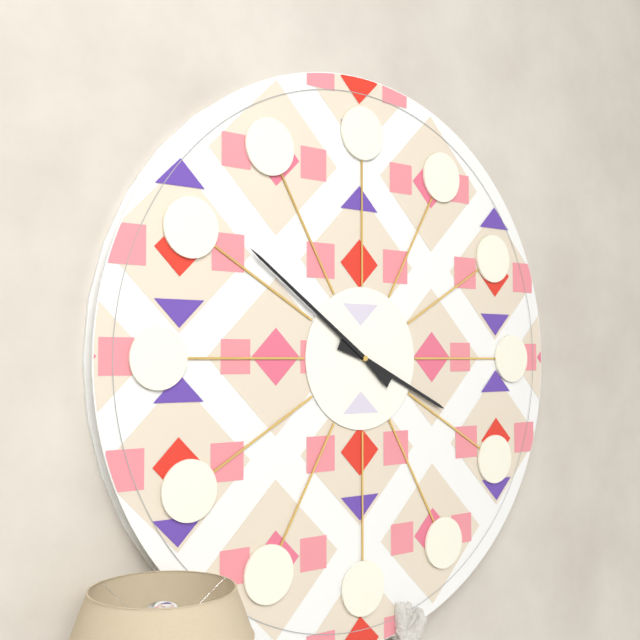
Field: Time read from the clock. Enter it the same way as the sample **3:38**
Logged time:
**3:51**
